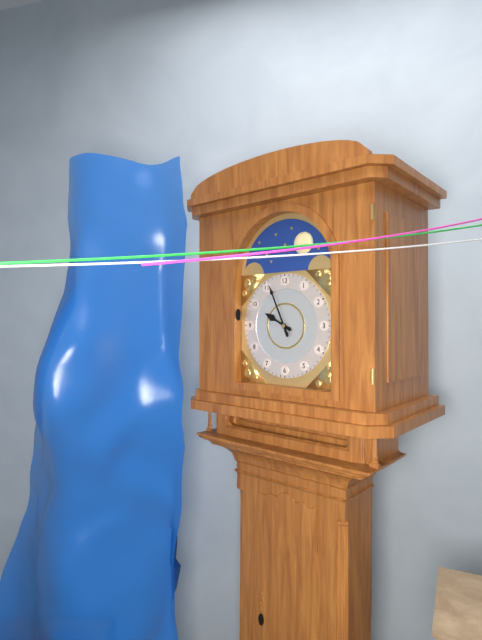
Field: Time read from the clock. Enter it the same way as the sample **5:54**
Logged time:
**9:56**
